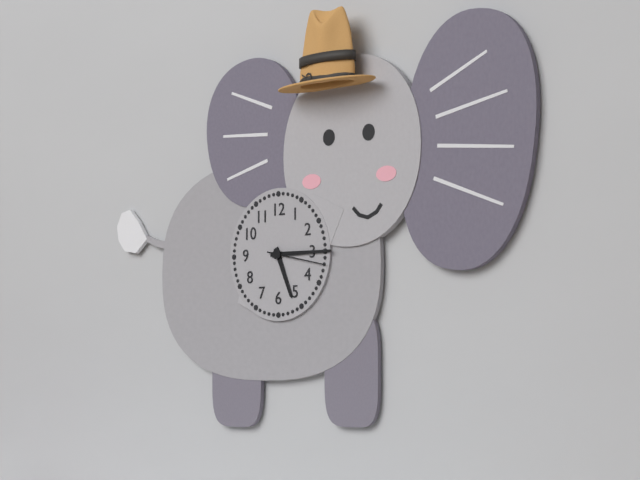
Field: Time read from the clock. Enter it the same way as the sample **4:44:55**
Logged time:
**5:15:17**
